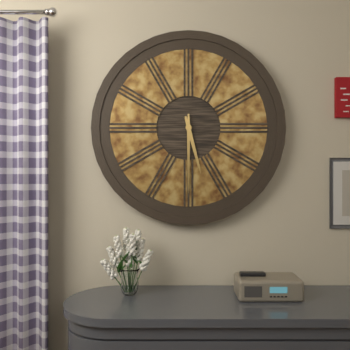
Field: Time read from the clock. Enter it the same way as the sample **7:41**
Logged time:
**5:30**
